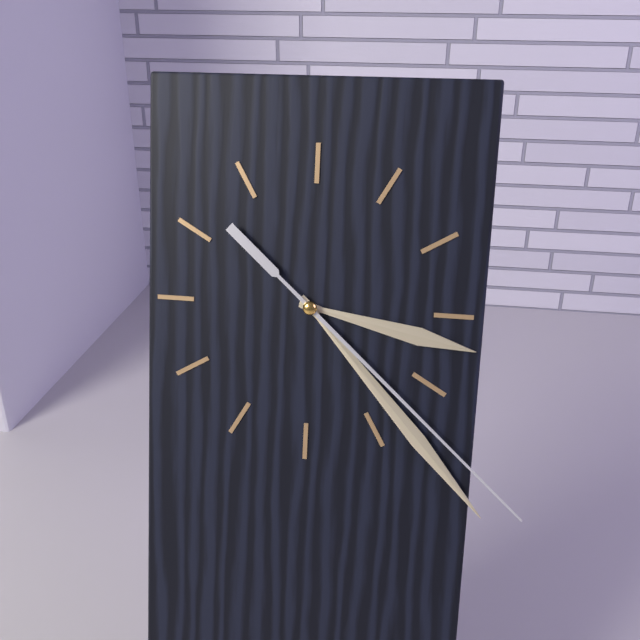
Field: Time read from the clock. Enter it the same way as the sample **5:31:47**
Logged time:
**3:23:22**
